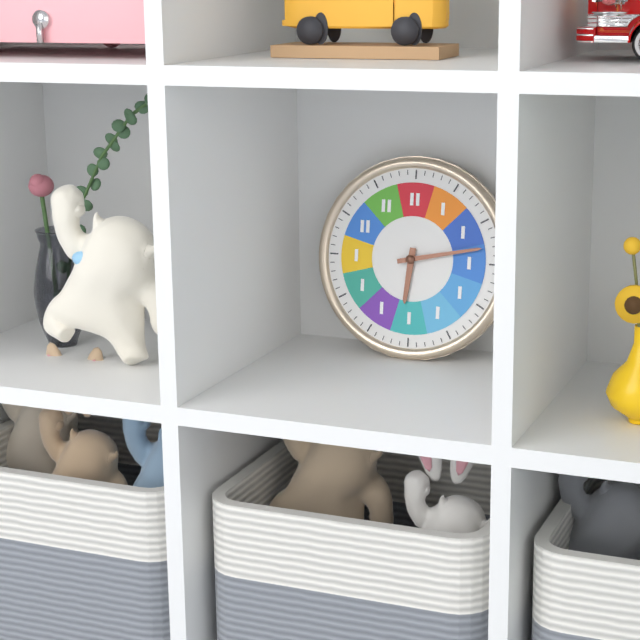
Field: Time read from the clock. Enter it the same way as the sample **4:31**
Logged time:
**6:13**
